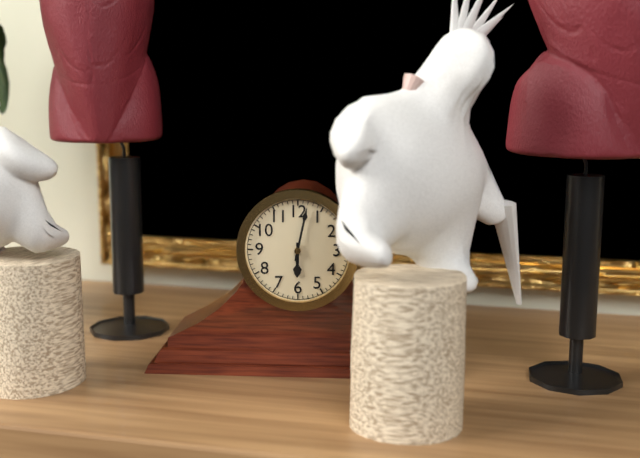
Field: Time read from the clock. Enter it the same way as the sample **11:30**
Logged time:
**6:02**
